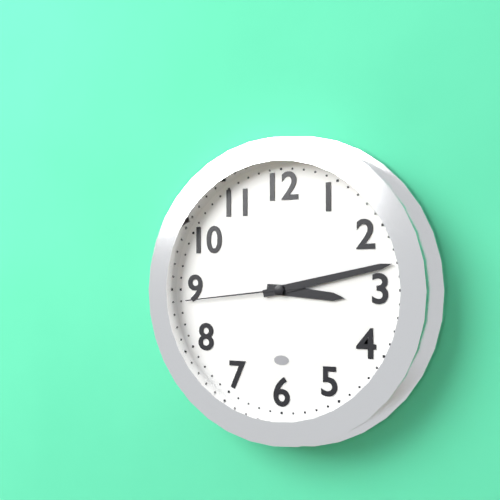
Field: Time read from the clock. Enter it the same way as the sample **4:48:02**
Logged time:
**3:13:44**
